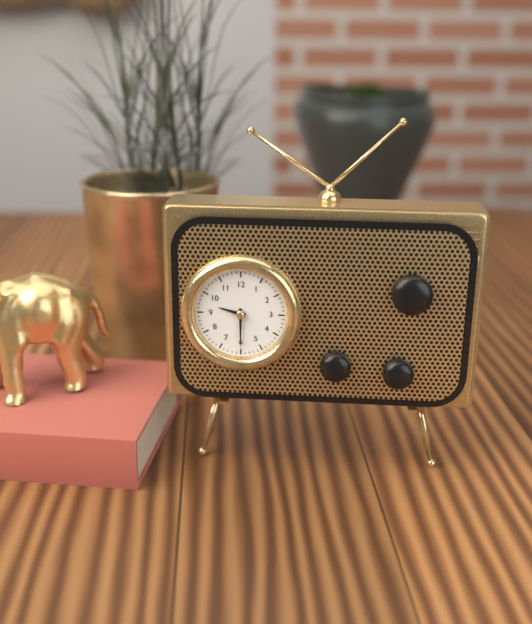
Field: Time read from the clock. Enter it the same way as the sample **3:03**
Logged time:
**9:30**
